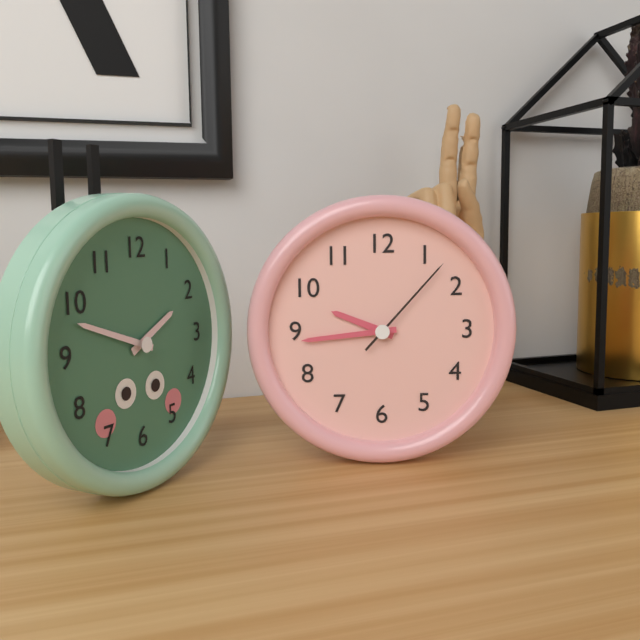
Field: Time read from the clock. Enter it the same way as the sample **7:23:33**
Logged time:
**9:44:07**
